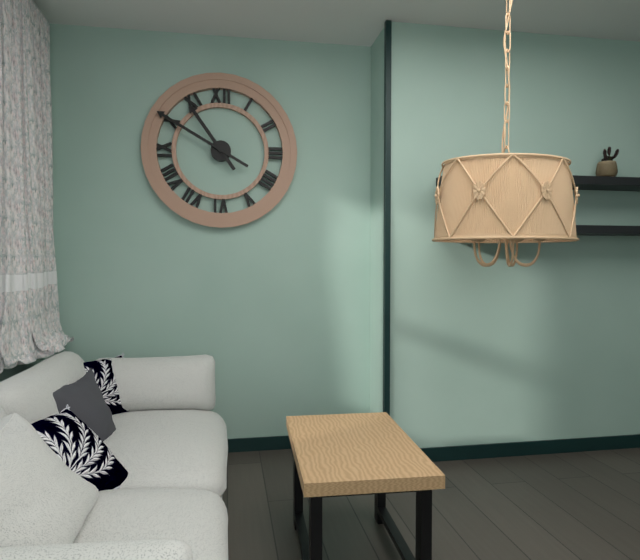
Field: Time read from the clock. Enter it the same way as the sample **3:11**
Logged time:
**10:50**
